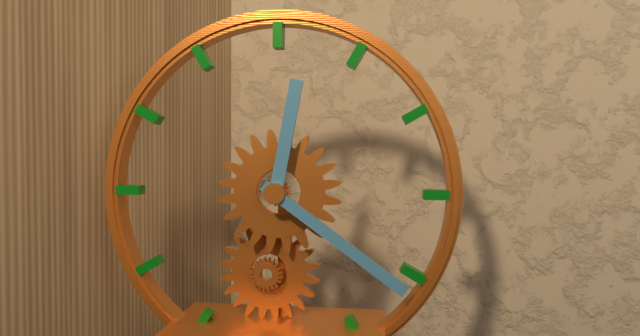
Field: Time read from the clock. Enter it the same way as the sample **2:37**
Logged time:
**12:21**
